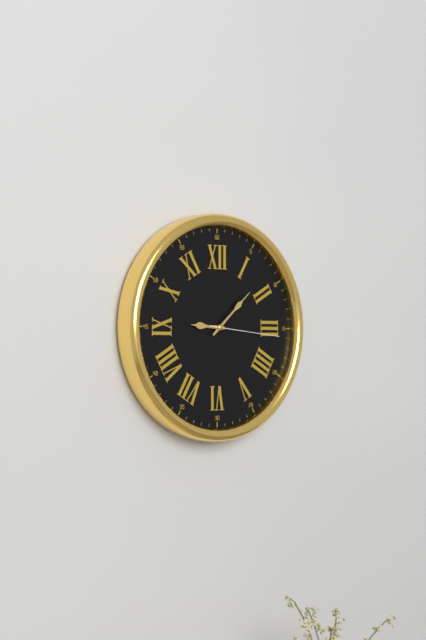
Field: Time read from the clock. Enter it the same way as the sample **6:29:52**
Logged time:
**9:08:16**
